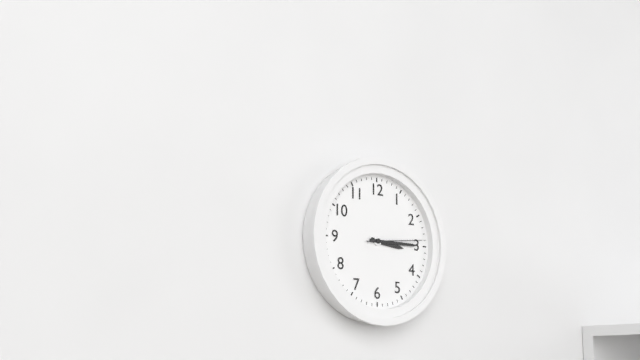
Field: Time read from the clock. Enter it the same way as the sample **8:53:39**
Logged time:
**3:15:14**
